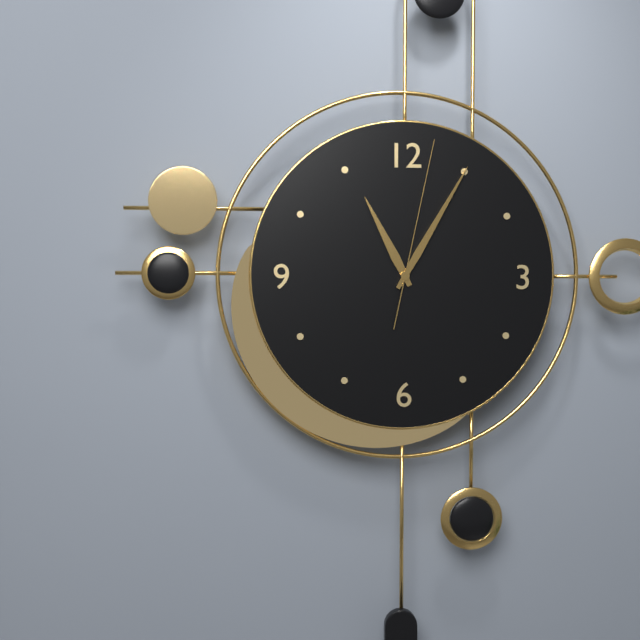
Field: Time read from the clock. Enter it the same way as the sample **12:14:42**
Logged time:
**11:05:02**
